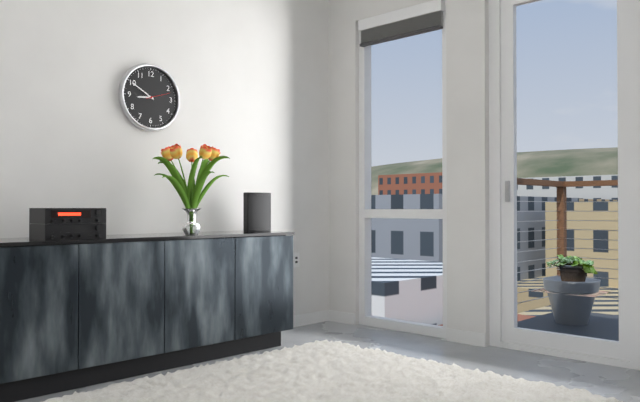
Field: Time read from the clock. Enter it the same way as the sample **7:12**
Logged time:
**8:50**
